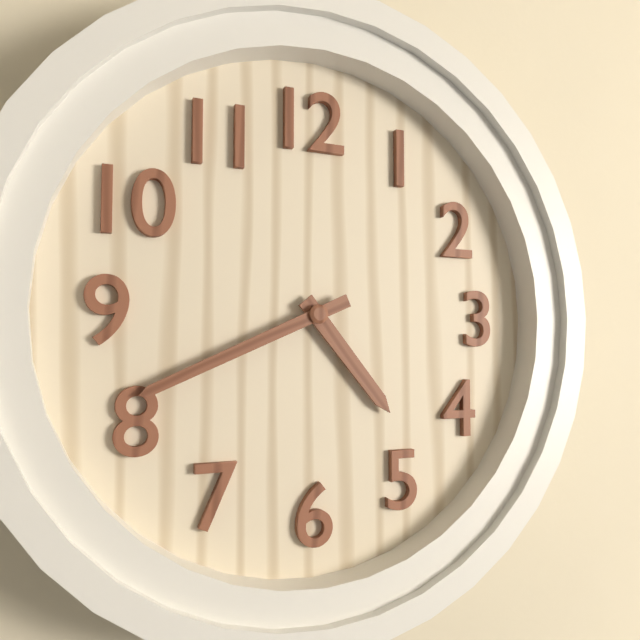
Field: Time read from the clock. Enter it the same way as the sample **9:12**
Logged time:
**4:41**
